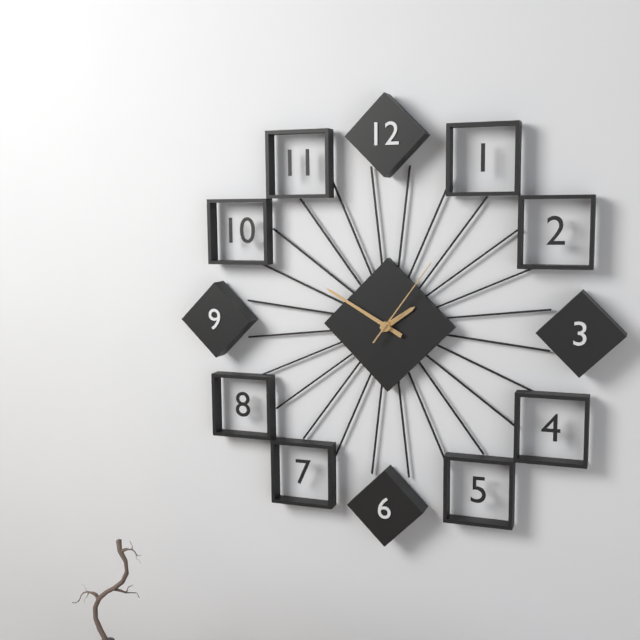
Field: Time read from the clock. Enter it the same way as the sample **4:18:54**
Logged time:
**1:50:06**
